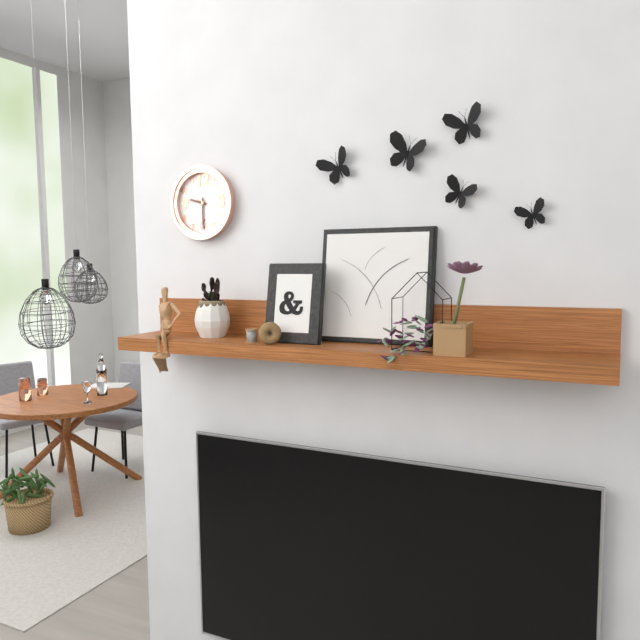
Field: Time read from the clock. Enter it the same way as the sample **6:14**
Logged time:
**9:30**
